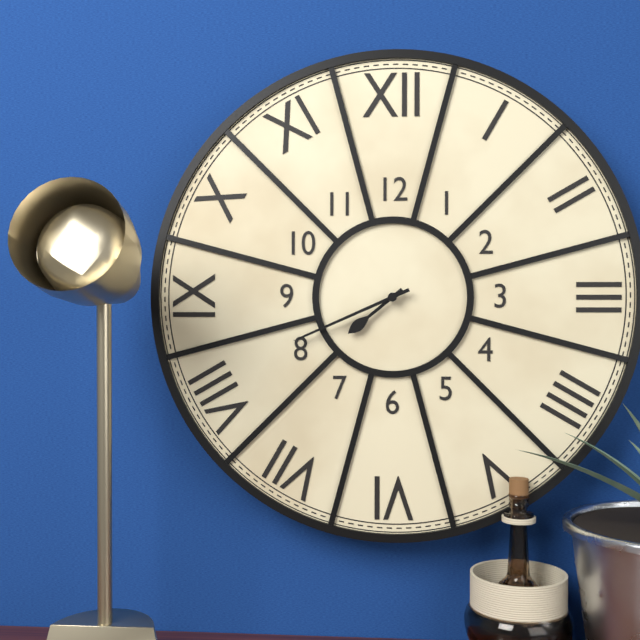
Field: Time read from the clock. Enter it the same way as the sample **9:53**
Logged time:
**7:41**
